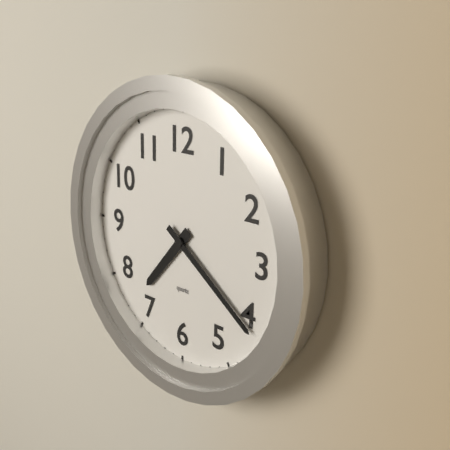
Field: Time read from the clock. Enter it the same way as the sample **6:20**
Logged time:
**7:21**
